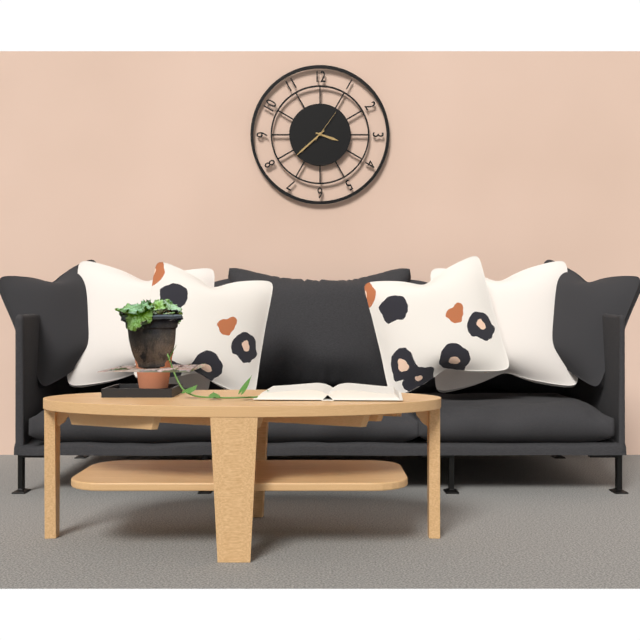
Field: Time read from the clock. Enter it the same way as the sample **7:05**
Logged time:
**3:38**
